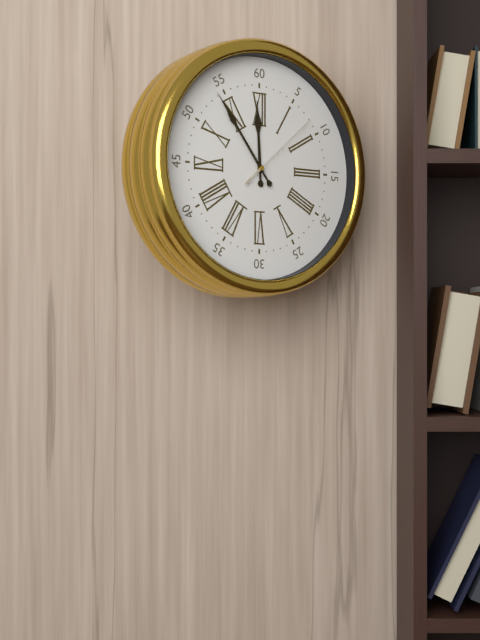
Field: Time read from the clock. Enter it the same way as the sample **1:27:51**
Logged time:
**11:54:08**
